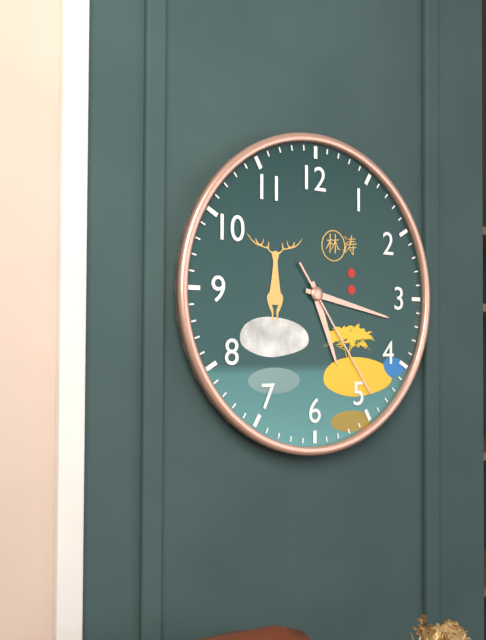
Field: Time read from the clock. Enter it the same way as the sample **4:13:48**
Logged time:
**5:17:24**
